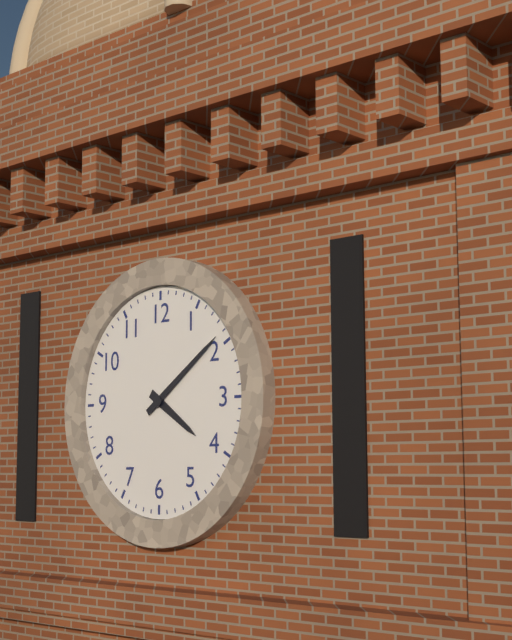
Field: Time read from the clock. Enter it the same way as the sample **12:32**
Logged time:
**4:09**
